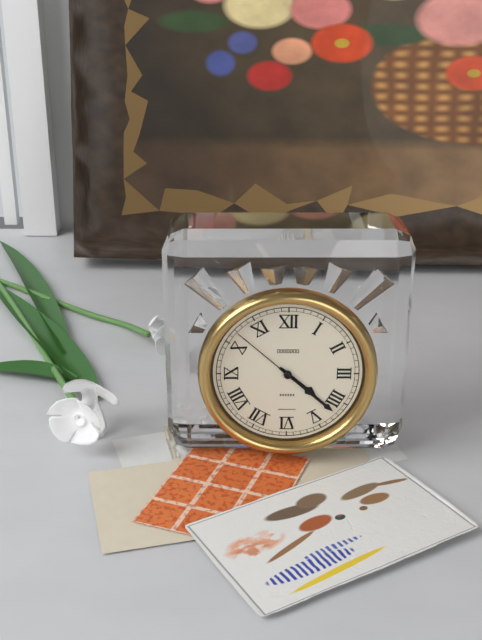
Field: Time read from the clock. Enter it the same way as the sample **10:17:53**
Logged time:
**4:22:52**
